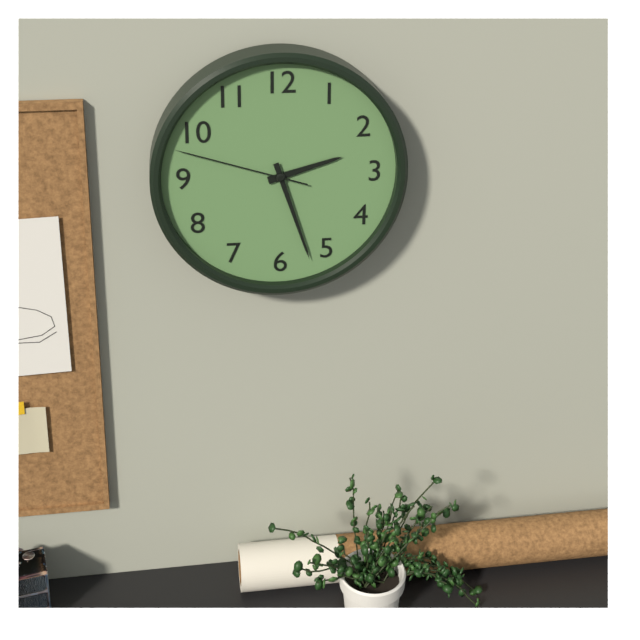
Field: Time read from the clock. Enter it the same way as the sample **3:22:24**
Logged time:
**2:27:48**
